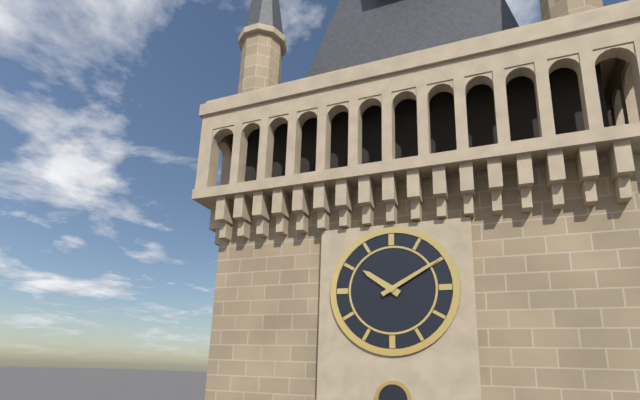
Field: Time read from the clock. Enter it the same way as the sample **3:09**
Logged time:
**10:10**
